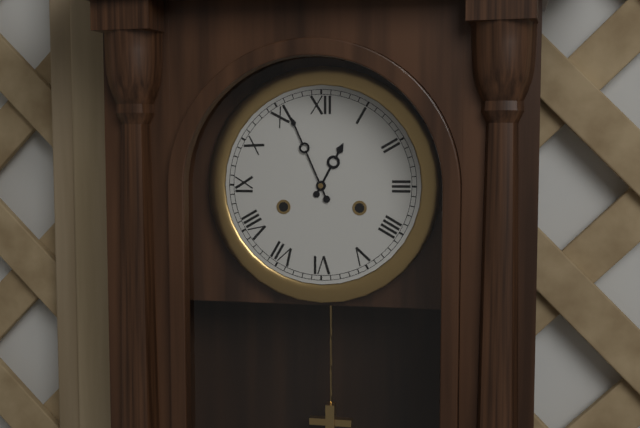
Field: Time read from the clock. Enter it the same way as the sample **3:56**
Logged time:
**12:56**
